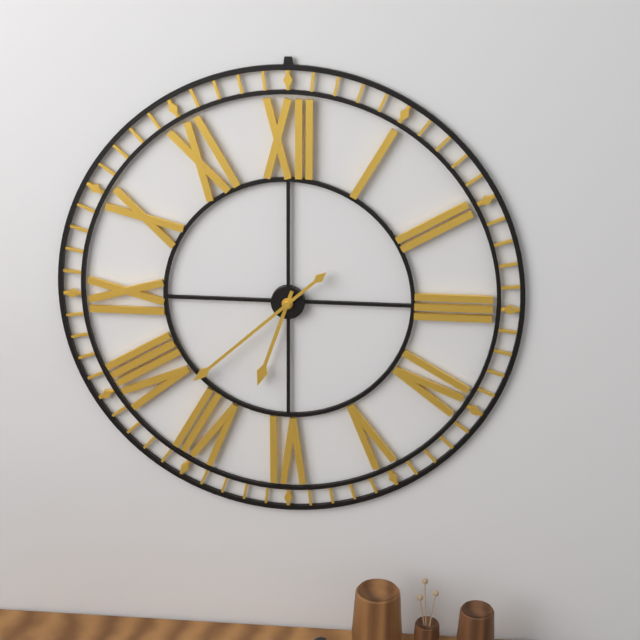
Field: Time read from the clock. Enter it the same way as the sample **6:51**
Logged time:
**6:38**
